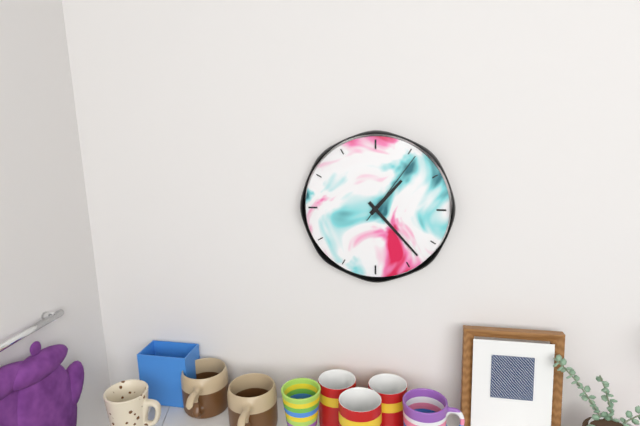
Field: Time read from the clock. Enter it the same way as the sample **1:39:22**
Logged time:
**1:23:06**
